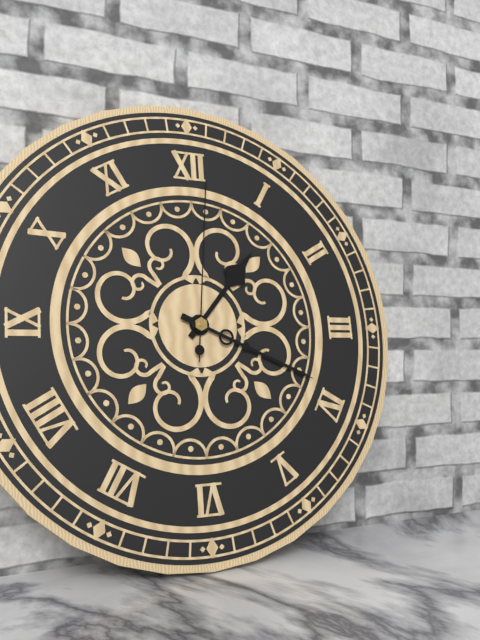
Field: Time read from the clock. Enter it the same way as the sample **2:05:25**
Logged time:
**1:19:01**
